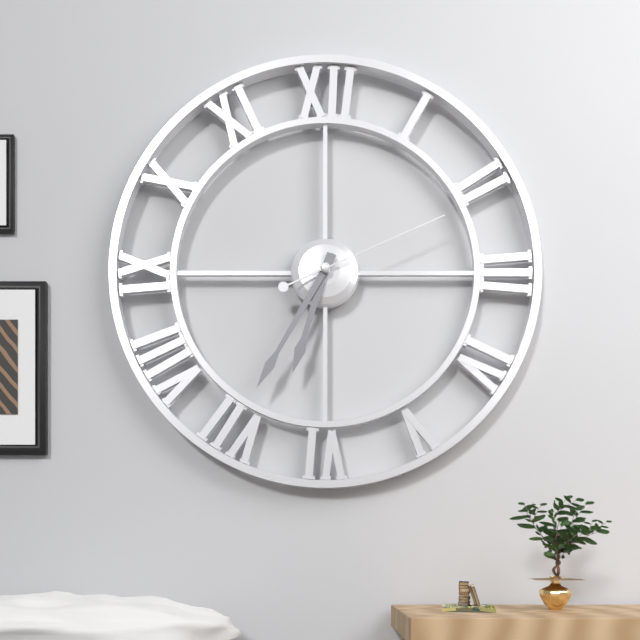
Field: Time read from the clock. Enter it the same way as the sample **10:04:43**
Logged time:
**6:35:11**
